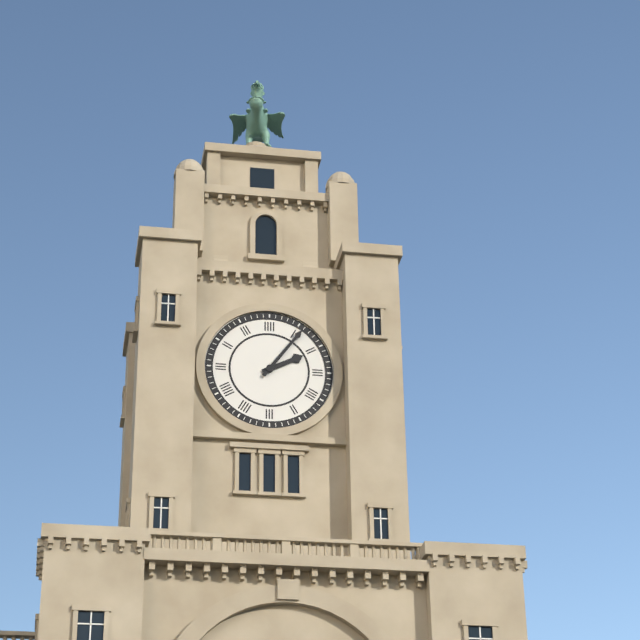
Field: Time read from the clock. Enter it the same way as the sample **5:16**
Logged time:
**2:06**
